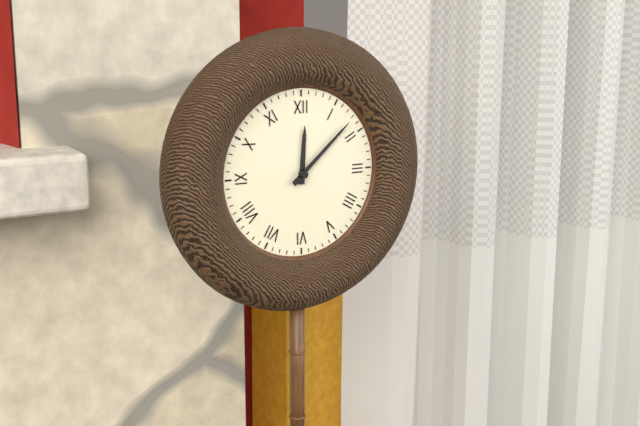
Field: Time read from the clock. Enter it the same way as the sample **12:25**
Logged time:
**12:08**
